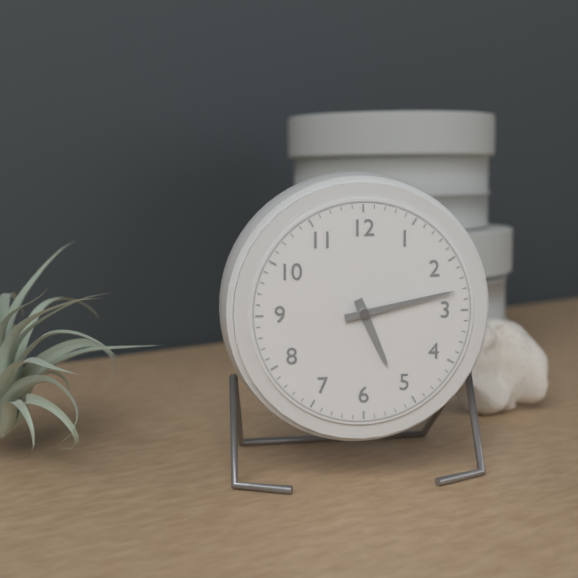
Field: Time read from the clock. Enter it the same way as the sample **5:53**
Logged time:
**5:13**
